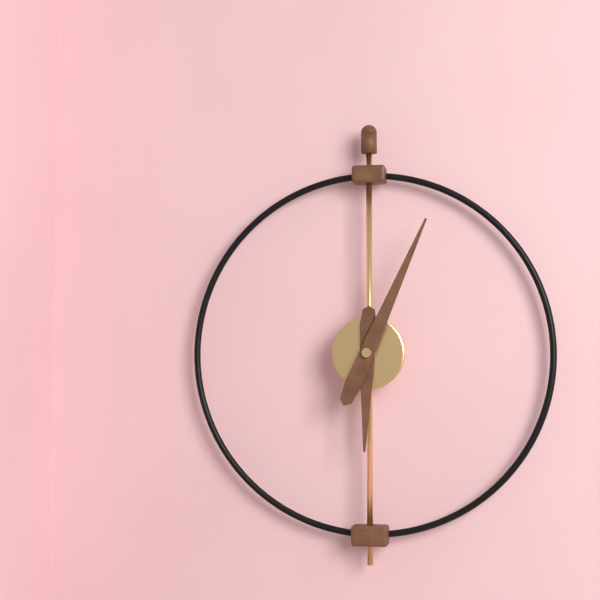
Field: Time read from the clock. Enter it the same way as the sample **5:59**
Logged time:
**6:04**
